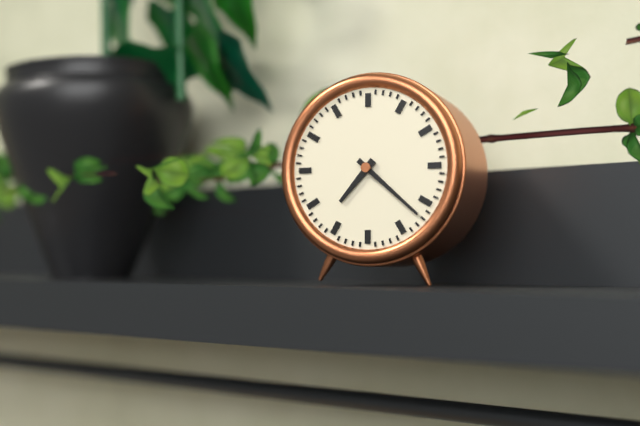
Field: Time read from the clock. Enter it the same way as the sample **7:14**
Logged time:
**7:22**
